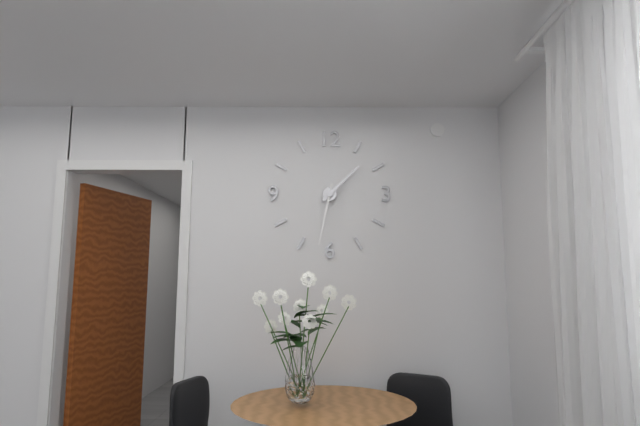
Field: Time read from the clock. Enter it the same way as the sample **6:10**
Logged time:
**1:32**
